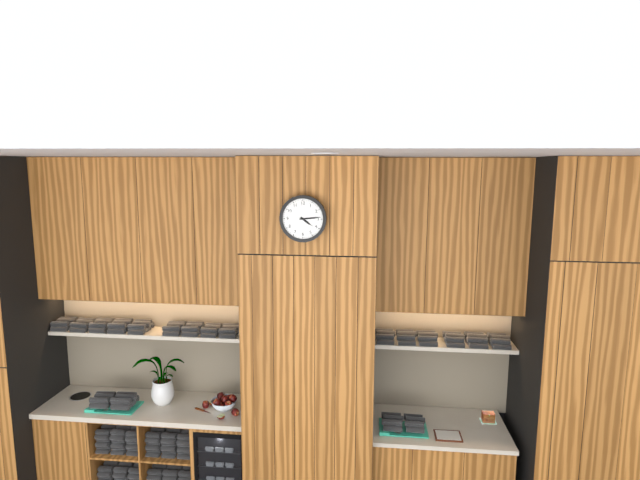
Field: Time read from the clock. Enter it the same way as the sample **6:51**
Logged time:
**4:14**
